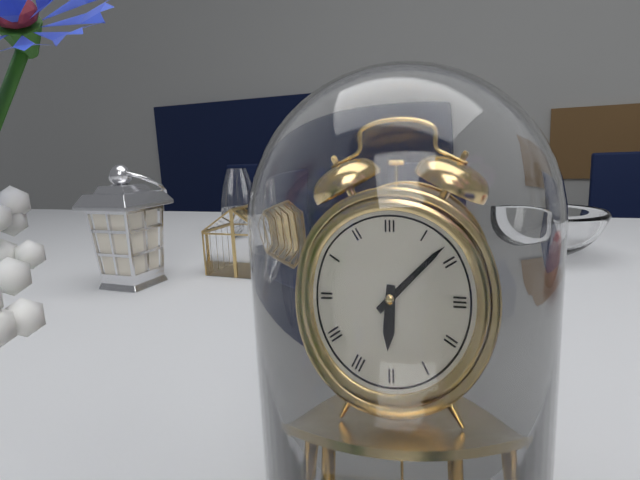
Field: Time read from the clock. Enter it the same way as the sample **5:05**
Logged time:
**6:08**
